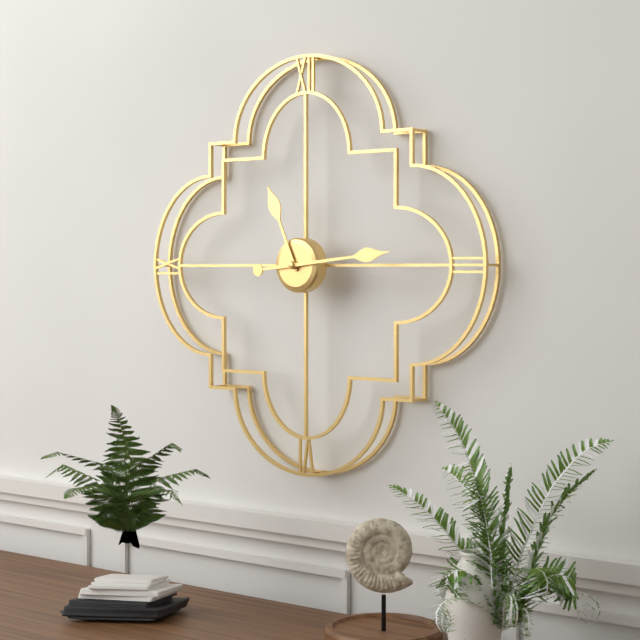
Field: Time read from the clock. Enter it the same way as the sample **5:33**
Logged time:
**11:14**
